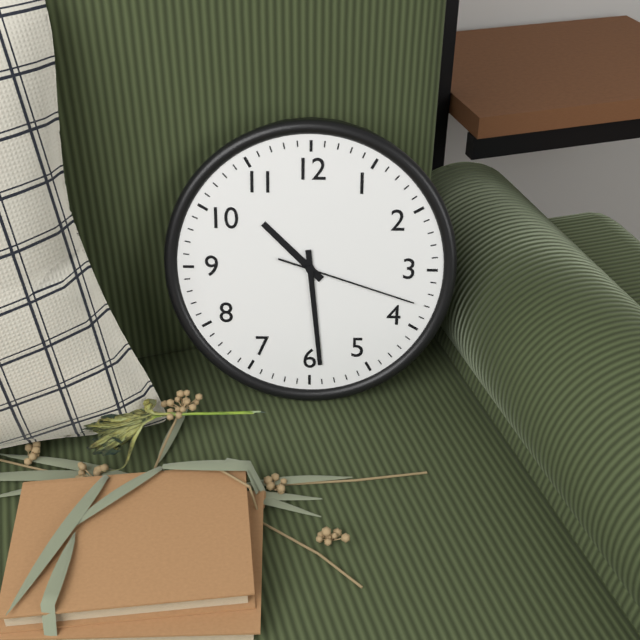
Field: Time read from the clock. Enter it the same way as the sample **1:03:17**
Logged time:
**10:29:18**
